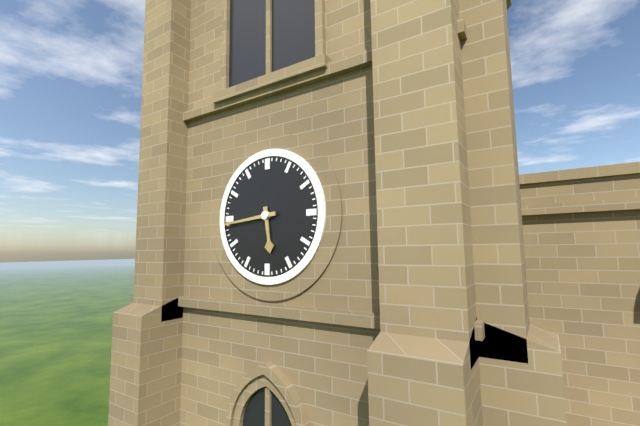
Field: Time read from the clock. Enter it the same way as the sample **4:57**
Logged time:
**5:44**
